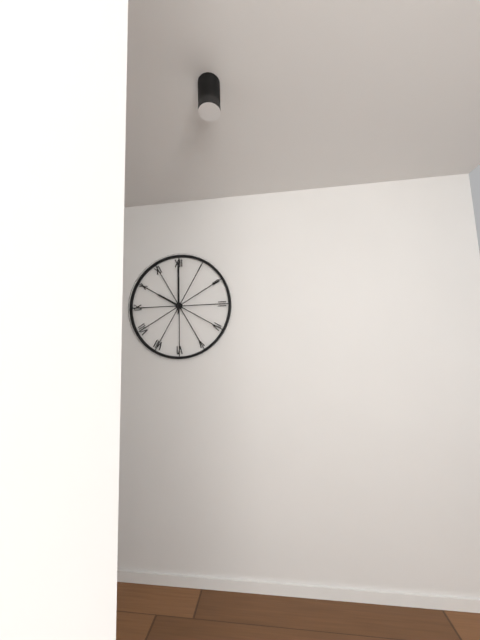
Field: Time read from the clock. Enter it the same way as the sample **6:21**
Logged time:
**10:00**
